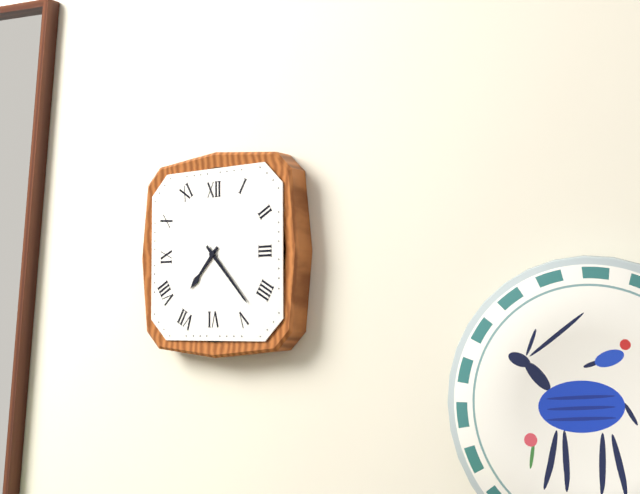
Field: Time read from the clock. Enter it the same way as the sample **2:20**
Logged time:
**7:23**
